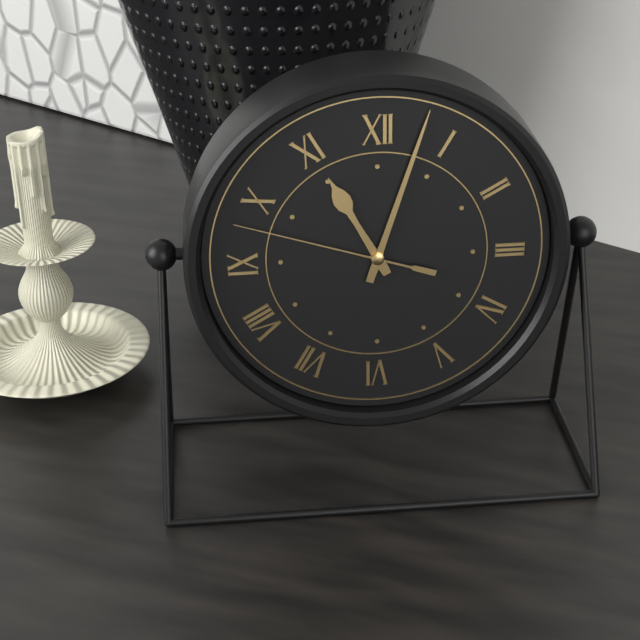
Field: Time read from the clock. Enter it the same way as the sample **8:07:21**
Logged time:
**11:03:48**
